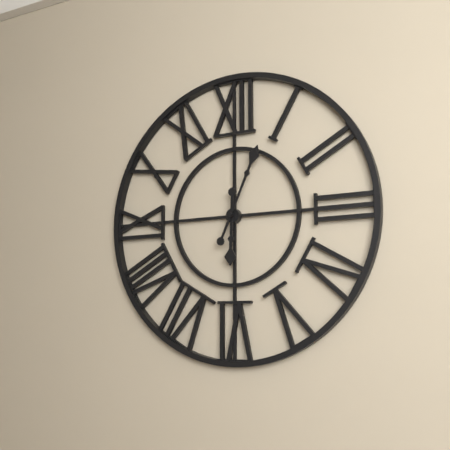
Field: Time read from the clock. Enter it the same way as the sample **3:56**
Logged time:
**6:04**
